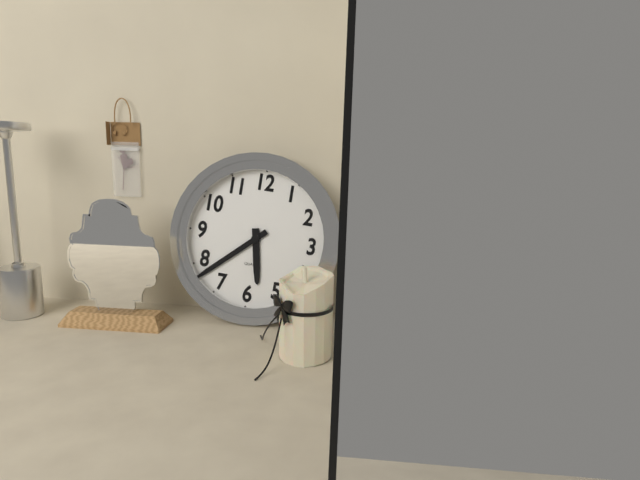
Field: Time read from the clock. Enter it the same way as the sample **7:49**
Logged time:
**5:38**
